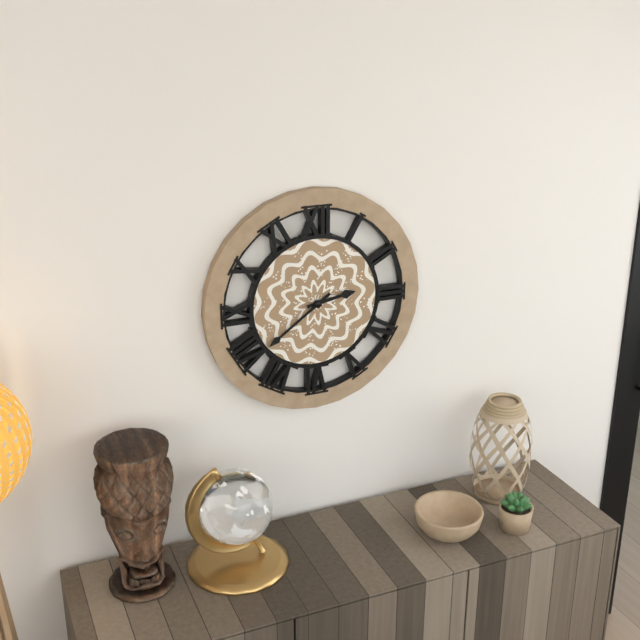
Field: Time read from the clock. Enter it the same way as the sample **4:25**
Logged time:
**2:39**
